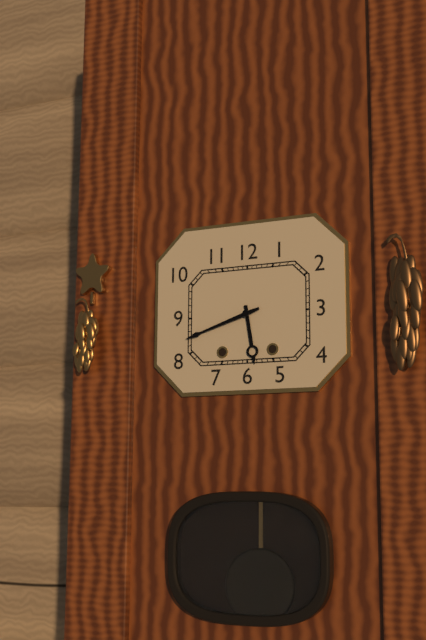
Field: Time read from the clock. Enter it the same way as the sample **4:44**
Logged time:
**5:42**
